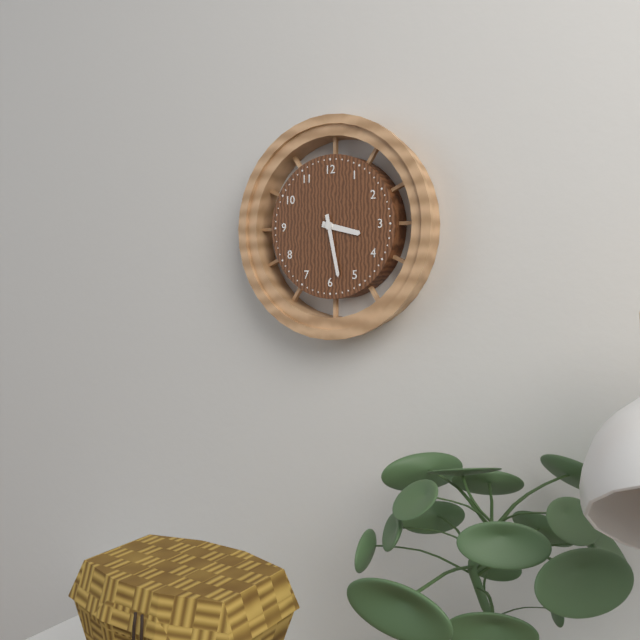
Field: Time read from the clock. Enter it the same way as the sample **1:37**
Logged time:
**3:28**
